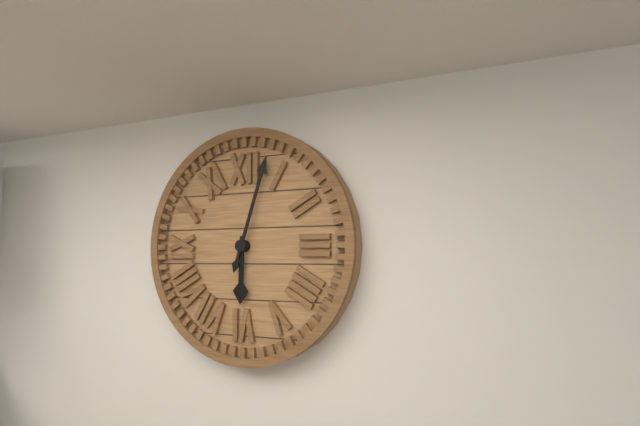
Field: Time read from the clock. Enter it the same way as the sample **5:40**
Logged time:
**6:03**
